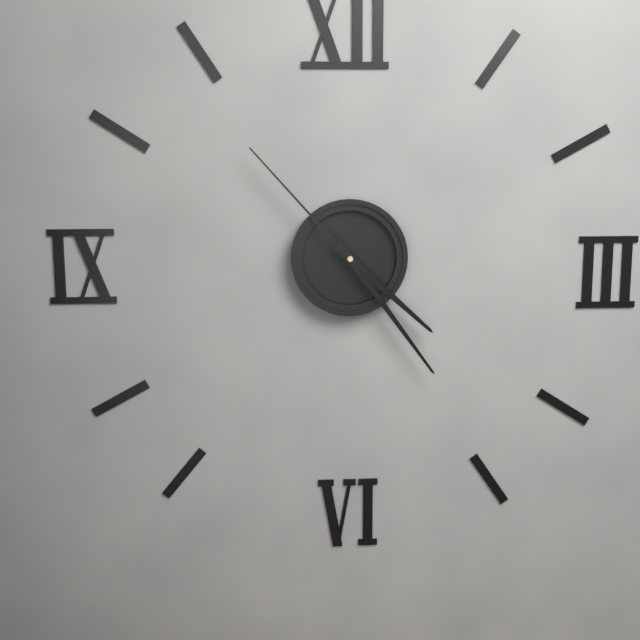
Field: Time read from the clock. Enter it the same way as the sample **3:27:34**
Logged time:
**4:24:53**
